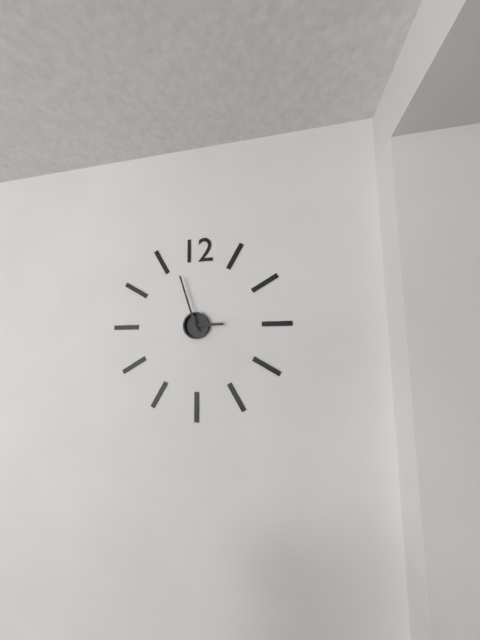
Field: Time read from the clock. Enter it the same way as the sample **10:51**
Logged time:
**2:57**
